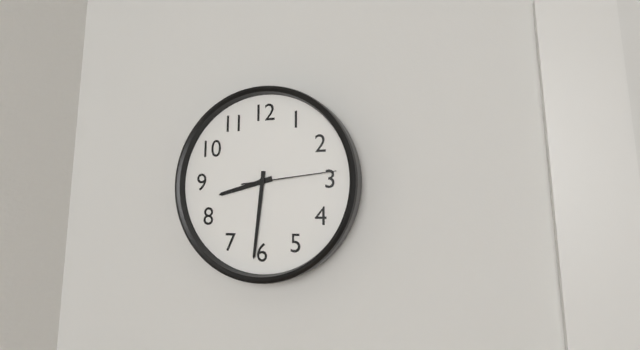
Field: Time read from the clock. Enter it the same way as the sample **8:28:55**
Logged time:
**8:31:14**
